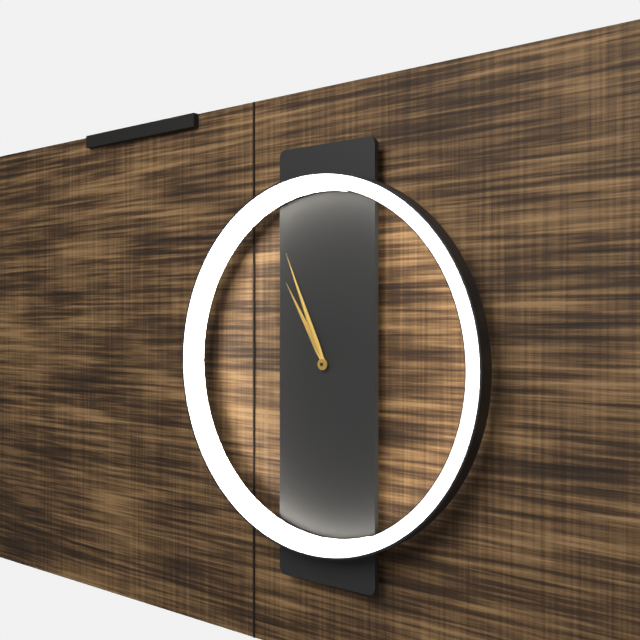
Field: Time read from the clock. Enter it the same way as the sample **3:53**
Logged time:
**10:56**
